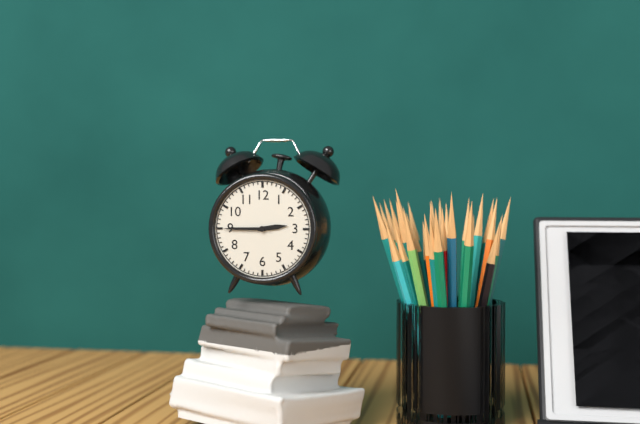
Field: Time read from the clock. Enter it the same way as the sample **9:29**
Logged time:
**2:45**
